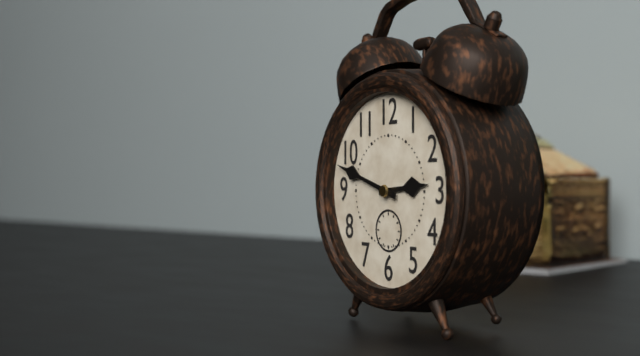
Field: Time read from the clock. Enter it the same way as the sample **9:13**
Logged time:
**2:48**
